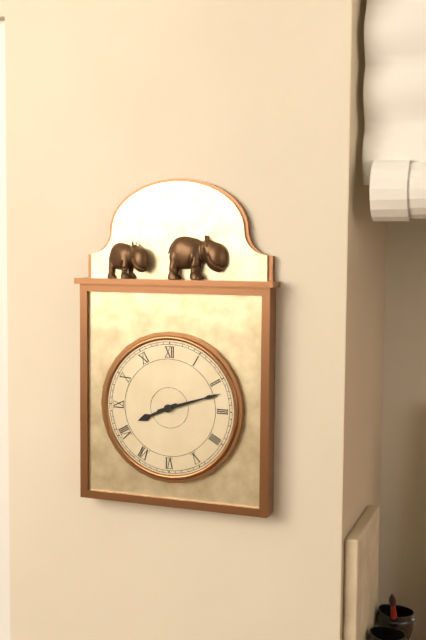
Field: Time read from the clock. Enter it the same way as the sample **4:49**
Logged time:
**8:12**
